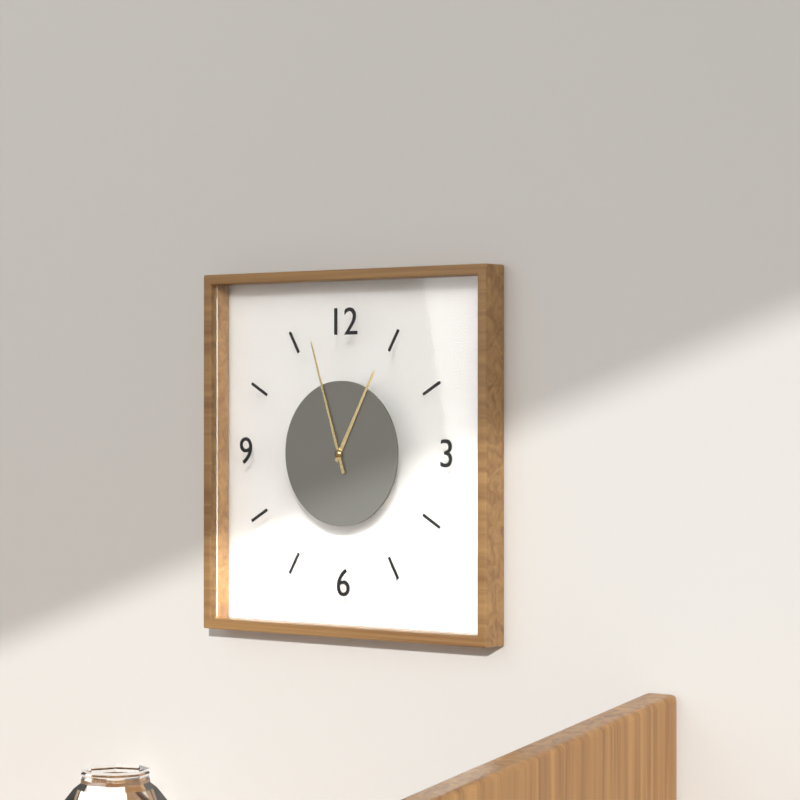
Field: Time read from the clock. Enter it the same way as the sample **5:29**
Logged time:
**12:57**
